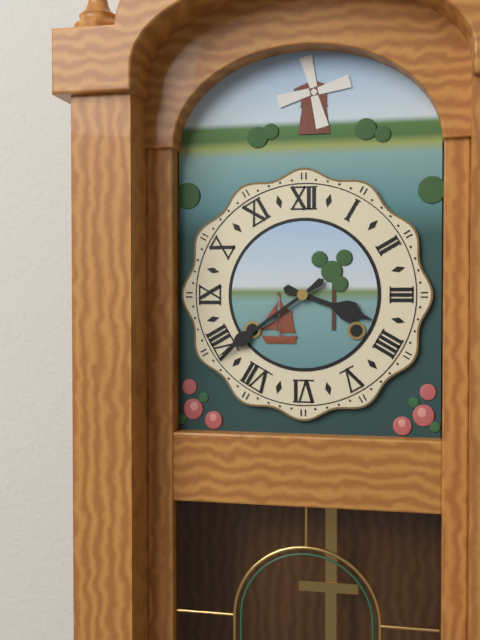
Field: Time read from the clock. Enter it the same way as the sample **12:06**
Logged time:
**3:39**
